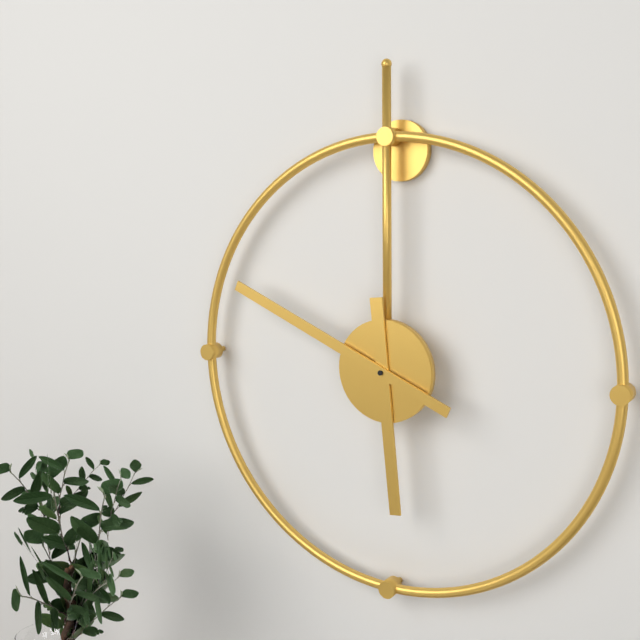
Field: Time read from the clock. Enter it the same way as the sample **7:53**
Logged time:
**5:49**
